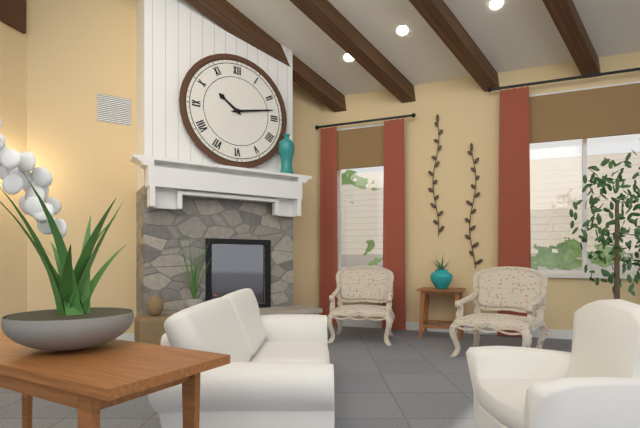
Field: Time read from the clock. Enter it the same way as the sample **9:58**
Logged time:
**10:13**
